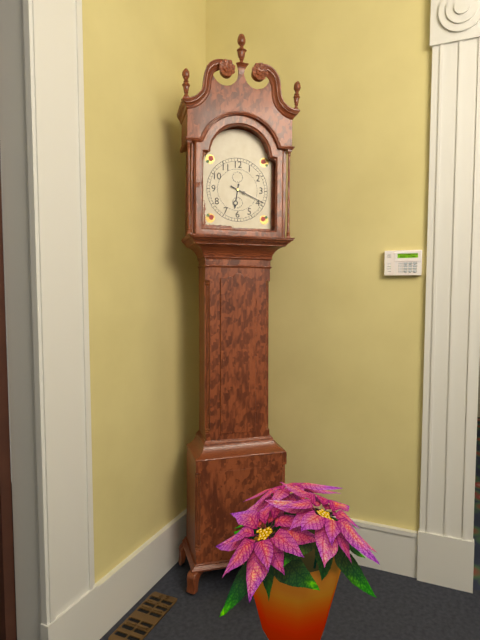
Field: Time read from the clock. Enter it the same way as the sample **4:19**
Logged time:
**6:19**
